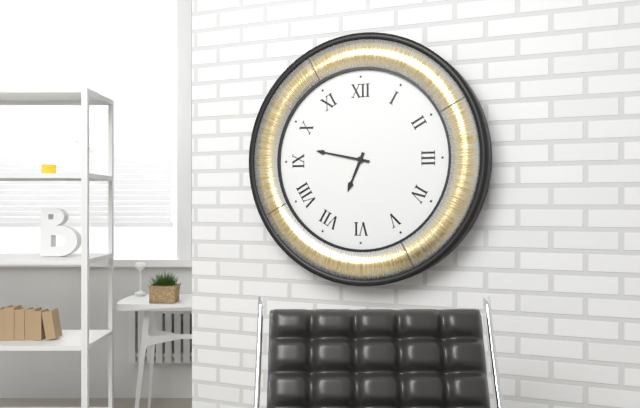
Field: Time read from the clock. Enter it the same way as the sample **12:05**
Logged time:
**6:47**
